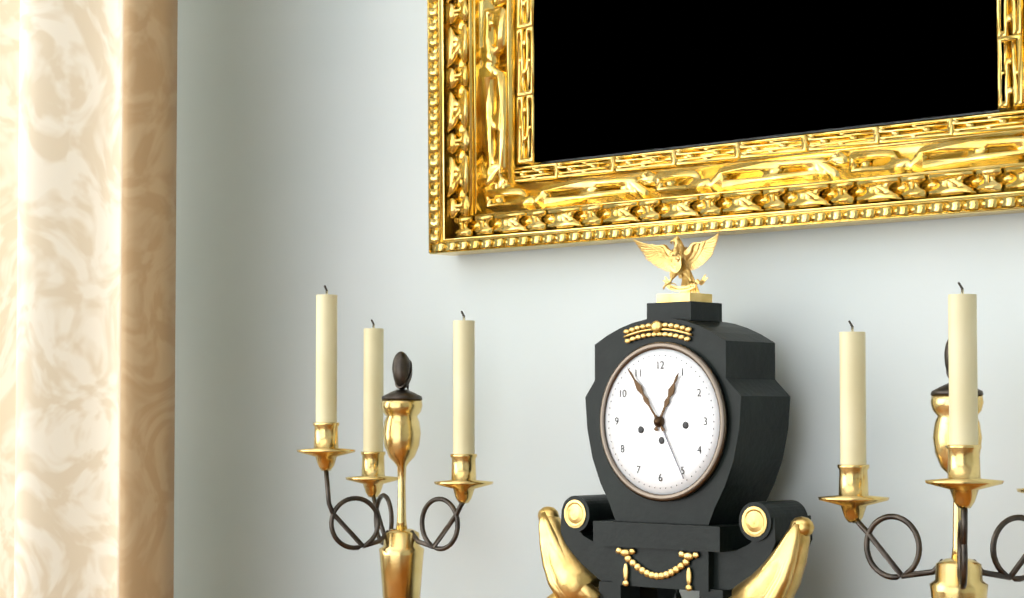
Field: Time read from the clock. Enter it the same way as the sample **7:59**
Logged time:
**12:54**
